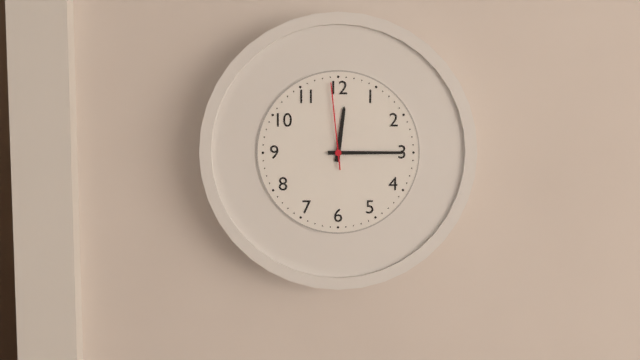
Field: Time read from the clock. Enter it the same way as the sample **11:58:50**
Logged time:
**12:15:59**
